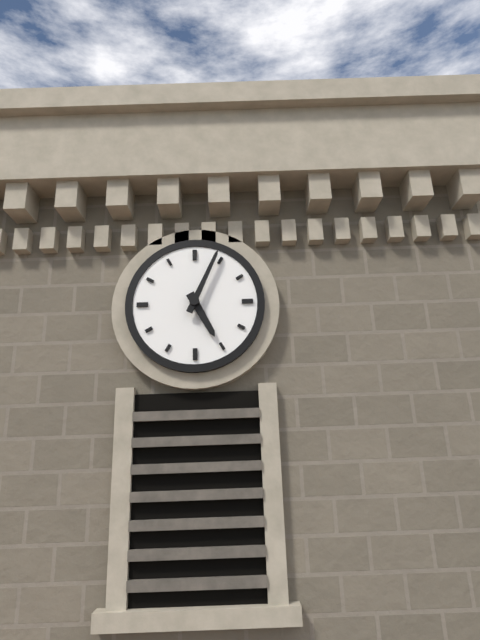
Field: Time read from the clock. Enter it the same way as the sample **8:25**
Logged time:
**5:04**
